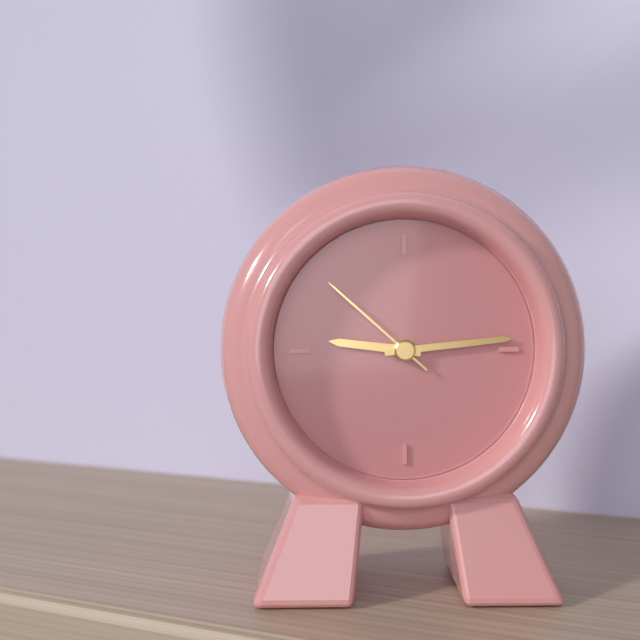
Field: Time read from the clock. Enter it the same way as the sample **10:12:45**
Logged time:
**9:14:52**
